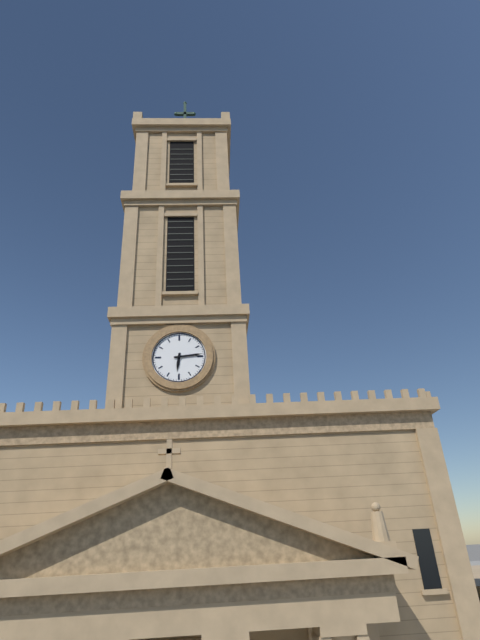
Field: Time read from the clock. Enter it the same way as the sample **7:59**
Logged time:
**6:14**
